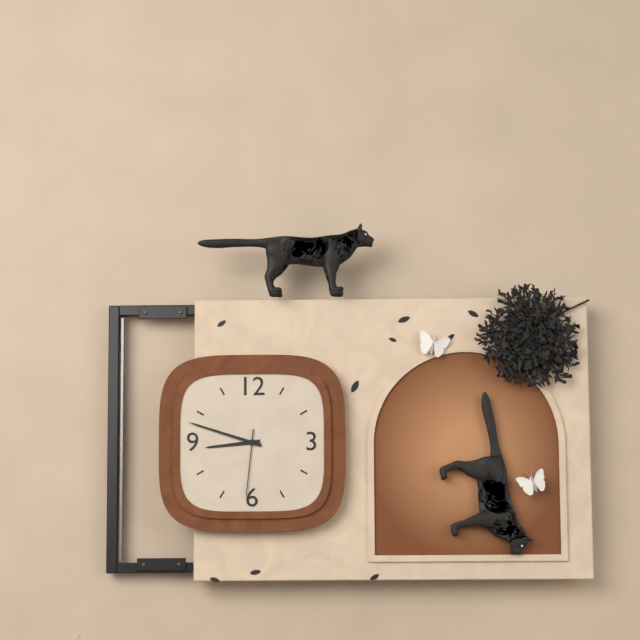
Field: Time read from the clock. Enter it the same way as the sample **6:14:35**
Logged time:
**8:48:31**
